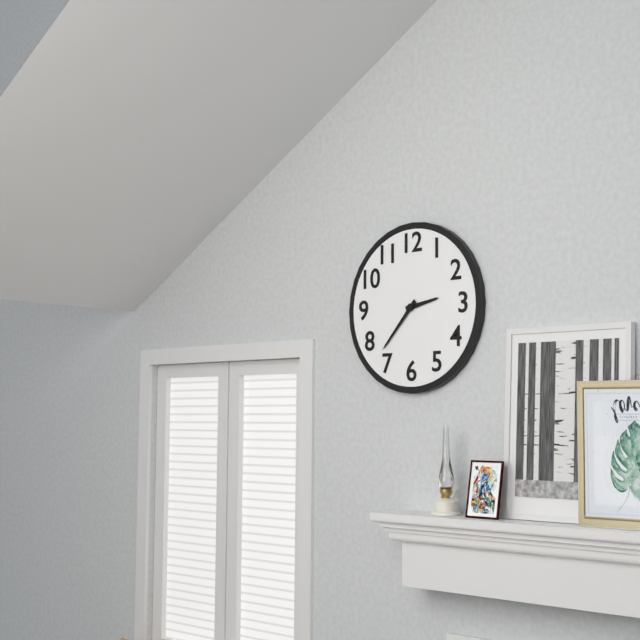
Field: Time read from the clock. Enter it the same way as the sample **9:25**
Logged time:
**2:37**
